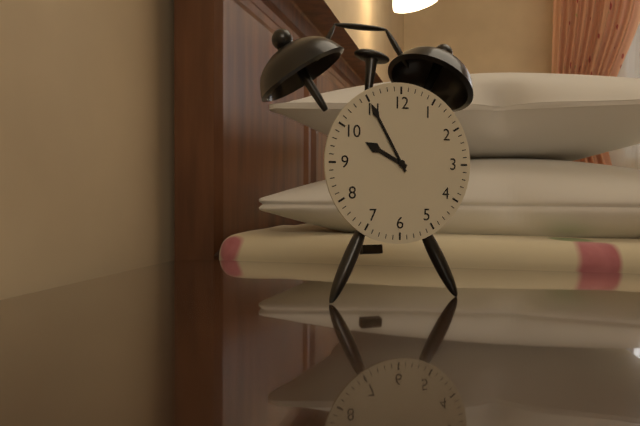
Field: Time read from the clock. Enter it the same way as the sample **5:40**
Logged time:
**9:55**
